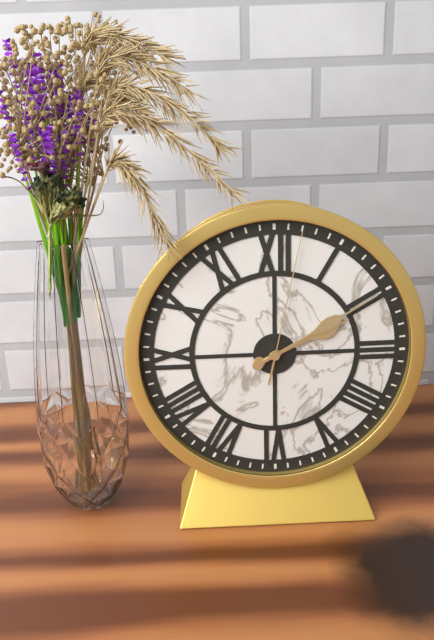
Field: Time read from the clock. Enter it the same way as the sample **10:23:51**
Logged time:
**2:10:02**
